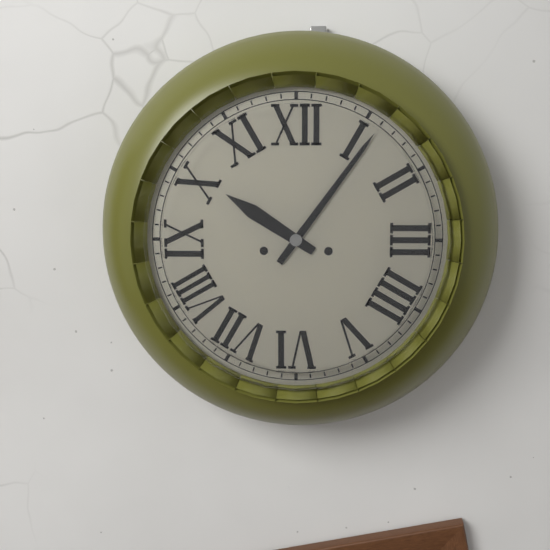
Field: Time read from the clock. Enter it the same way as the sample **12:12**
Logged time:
**10:06**
